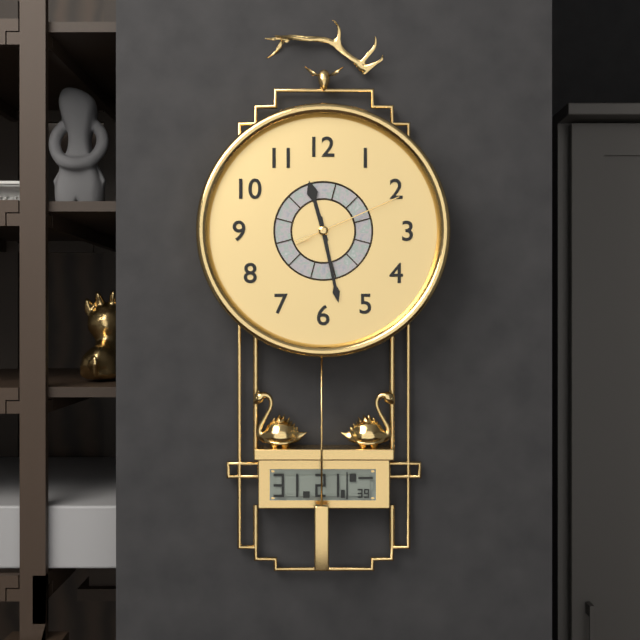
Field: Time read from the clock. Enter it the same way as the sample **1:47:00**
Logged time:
**11:28:11**
